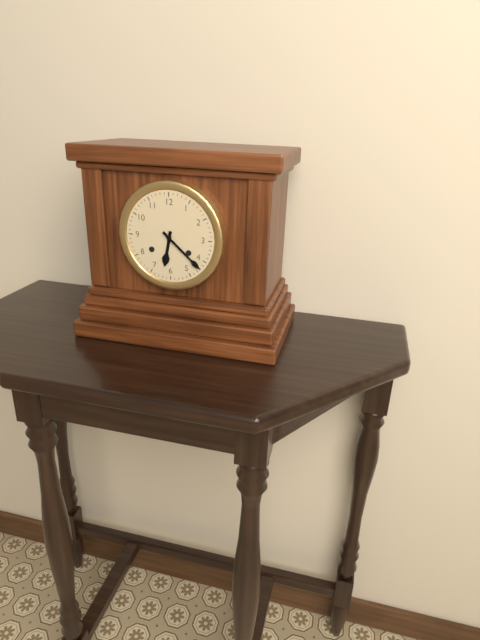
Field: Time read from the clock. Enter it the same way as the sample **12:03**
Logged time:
**6:22**
